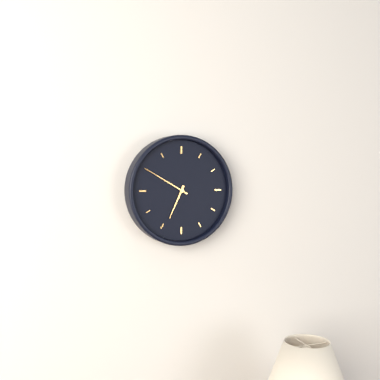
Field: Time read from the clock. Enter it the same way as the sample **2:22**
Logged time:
**6:50**
